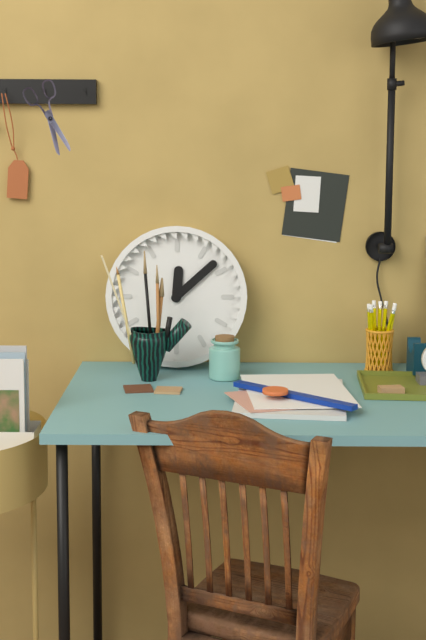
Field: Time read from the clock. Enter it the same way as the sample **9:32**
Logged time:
**12:08**
